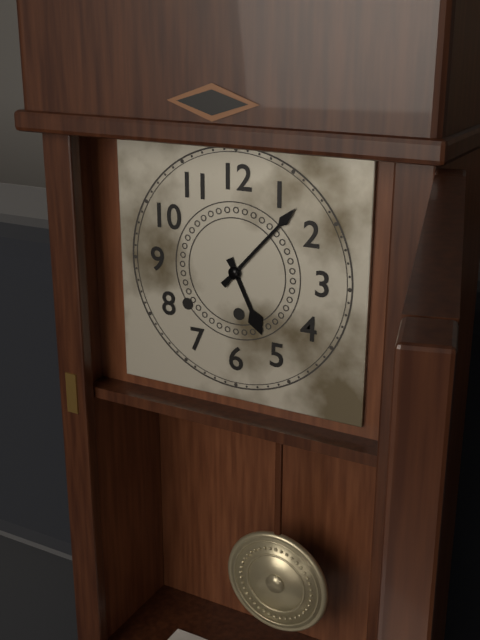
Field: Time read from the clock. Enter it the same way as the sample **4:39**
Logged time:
**5:07**
